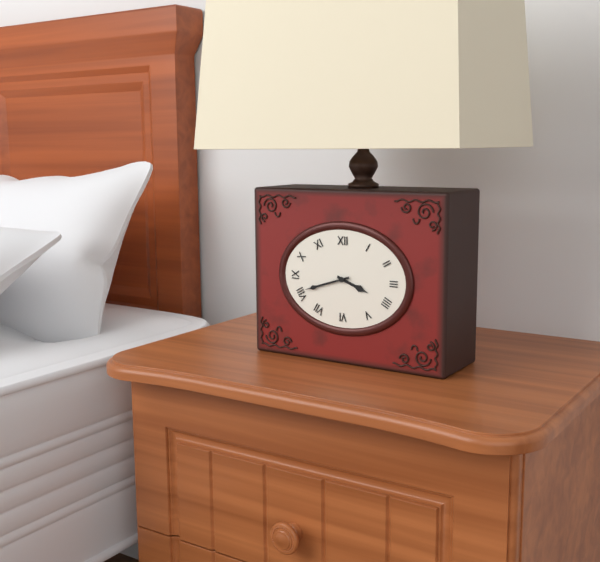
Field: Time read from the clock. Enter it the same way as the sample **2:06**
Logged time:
**3:42**
